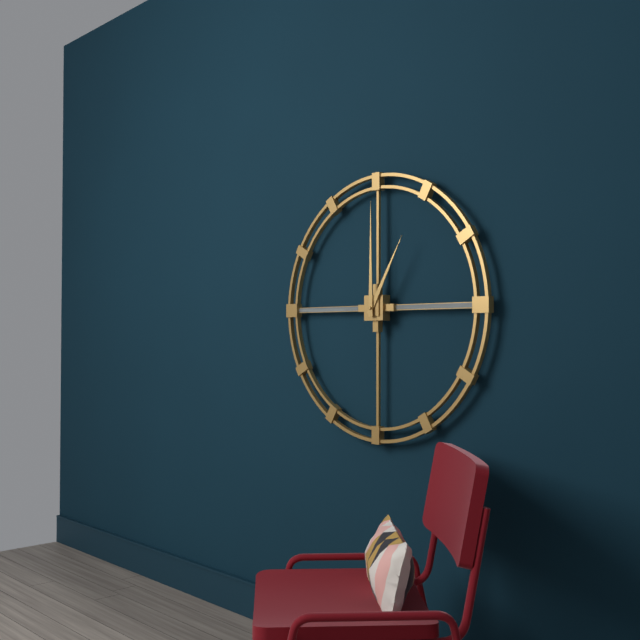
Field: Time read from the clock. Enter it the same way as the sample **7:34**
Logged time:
**1:00**
